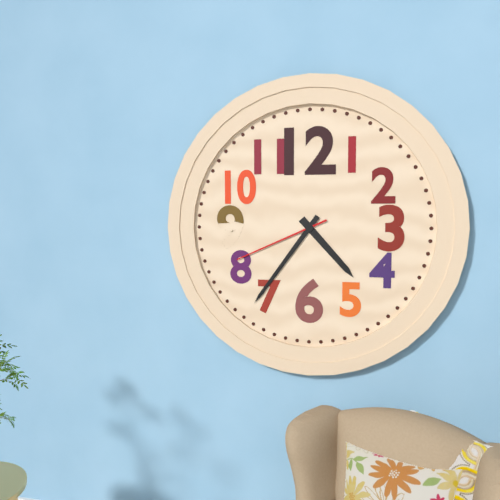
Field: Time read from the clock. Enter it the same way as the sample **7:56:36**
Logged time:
**4:36:41**
